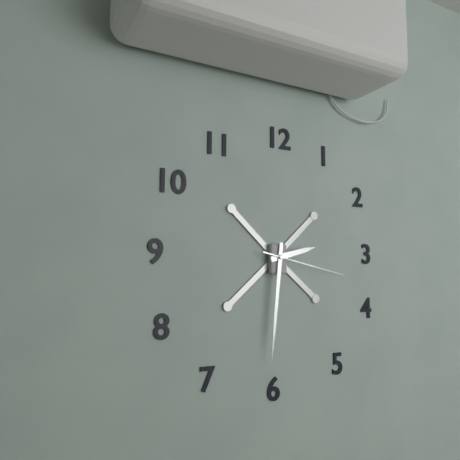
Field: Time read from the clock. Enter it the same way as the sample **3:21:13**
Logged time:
**2:31:17**
